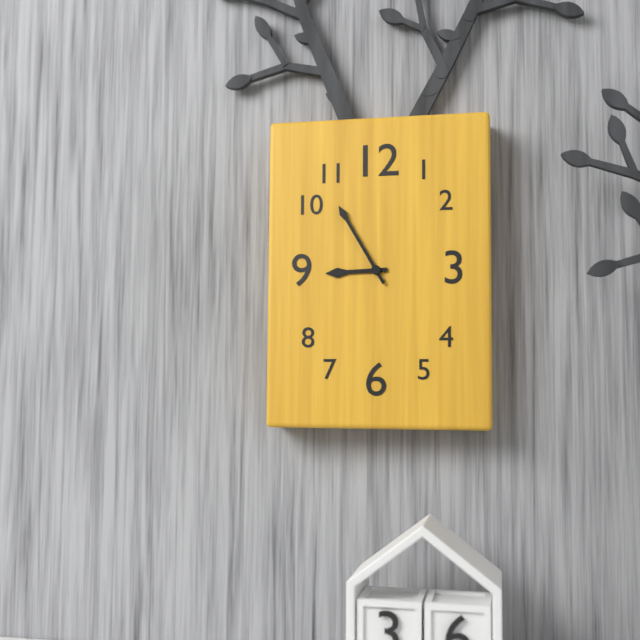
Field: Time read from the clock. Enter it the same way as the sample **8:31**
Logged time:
**8:55**
